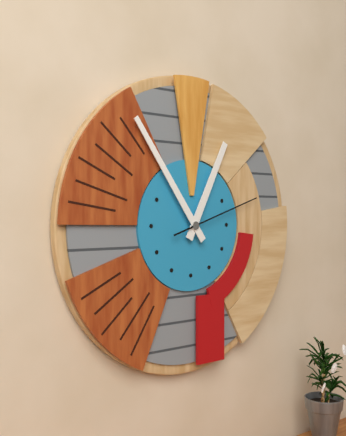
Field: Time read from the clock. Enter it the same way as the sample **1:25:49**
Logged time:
**12:54:12**
